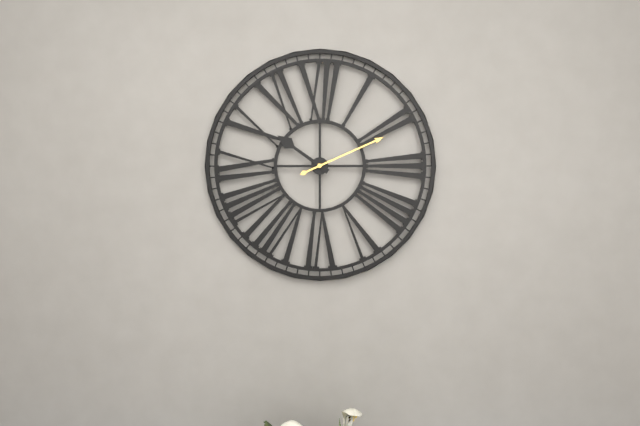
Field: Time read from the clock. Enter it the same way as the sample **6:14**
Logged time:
**10:11**
